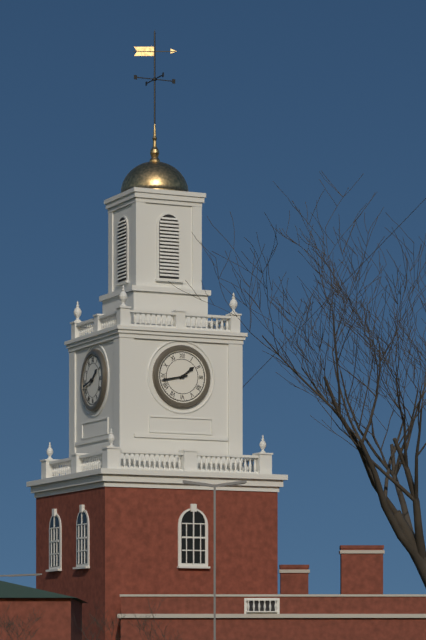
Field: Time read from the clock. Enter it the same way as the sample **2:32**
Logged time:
**1:43**
